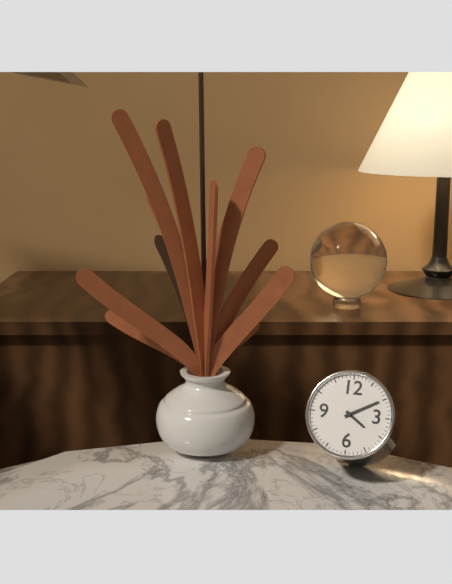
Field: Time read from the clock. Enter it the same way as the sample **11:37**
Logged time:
**4:10**
